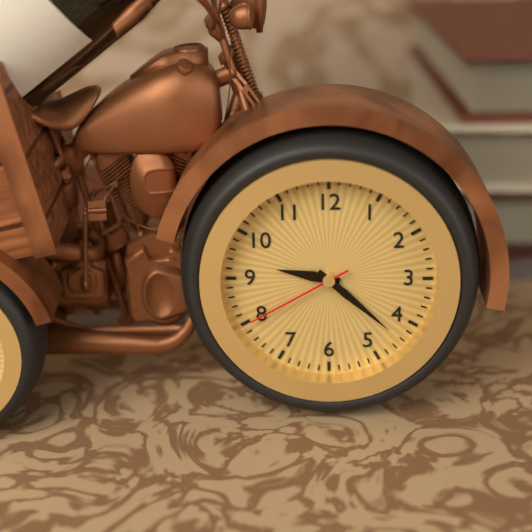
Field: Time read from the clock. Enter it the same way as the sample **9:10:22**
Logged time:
**9:22:40**
